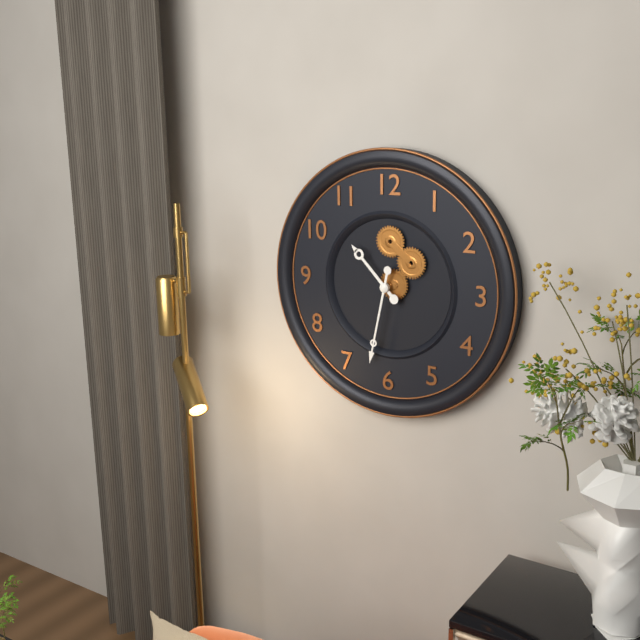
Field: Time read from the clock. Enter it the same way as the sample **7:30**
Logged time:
**10:32**
